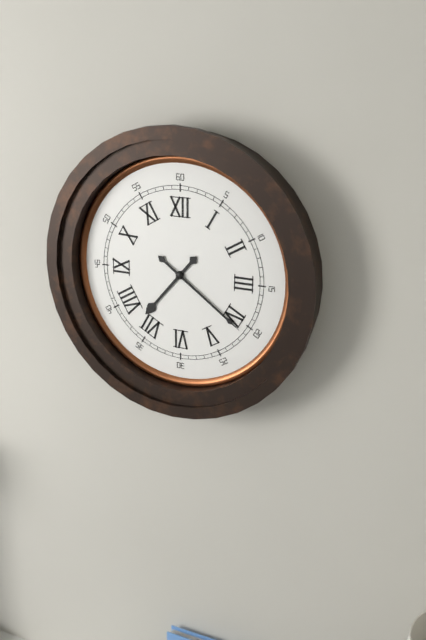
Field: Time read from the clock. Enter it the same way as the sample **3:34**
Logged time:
**7:21**
